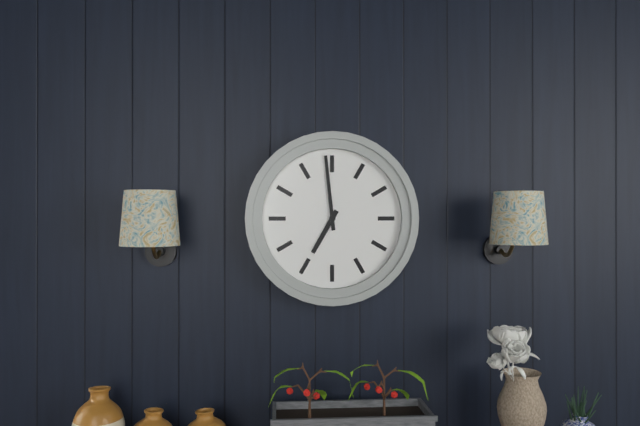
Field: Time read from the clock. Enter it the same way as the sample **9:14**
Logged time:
**6:59**
